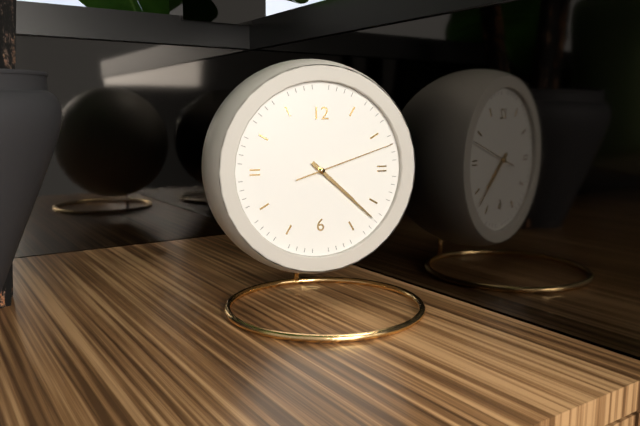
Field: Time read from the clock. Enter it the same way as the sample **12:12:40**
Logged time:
**4:22:12**
